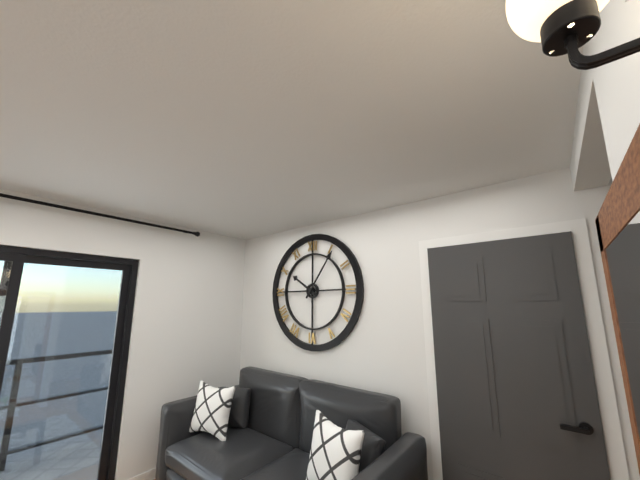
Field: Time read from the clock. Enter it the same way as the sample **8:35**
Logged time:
**10:06**
